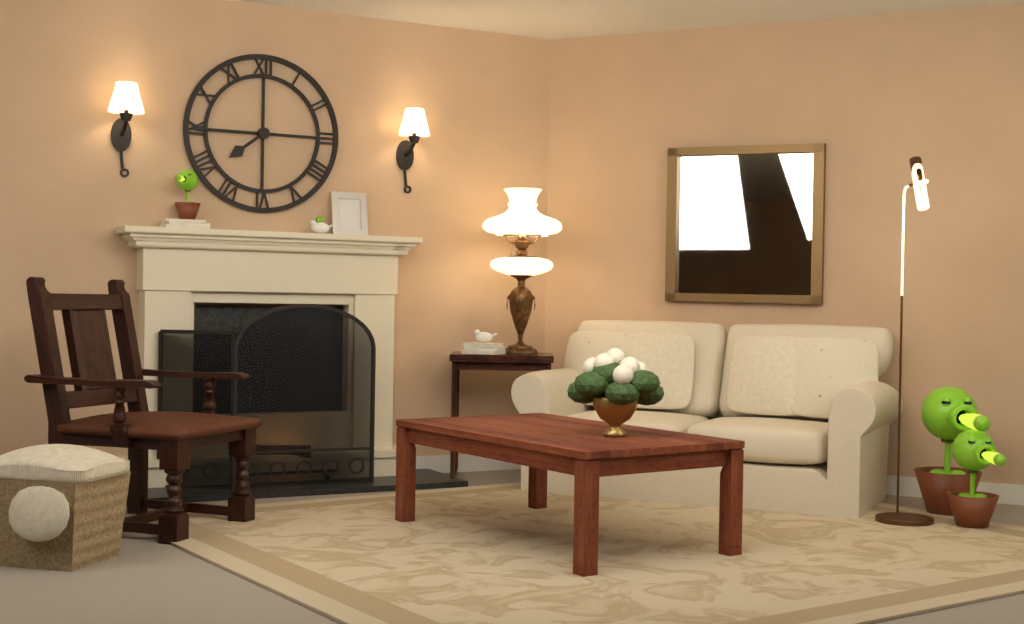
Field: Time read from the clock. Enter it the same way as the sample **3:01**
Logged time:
**7:45**
